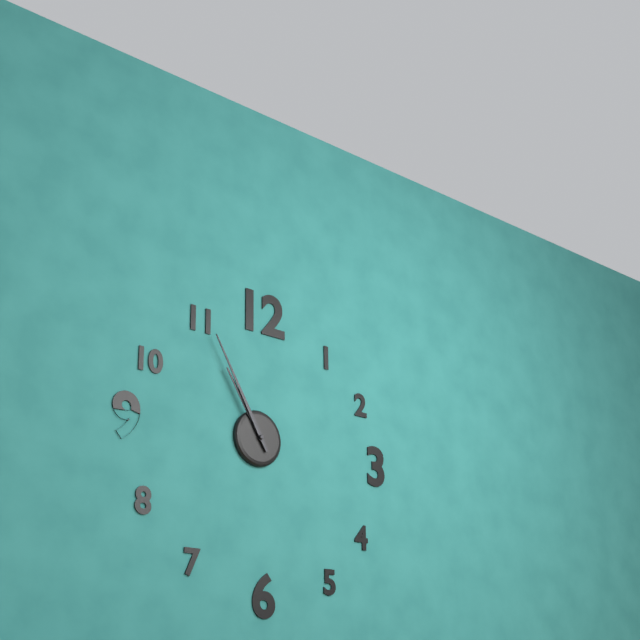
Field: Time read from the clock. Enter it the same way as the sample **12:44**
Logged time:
**10:55**
